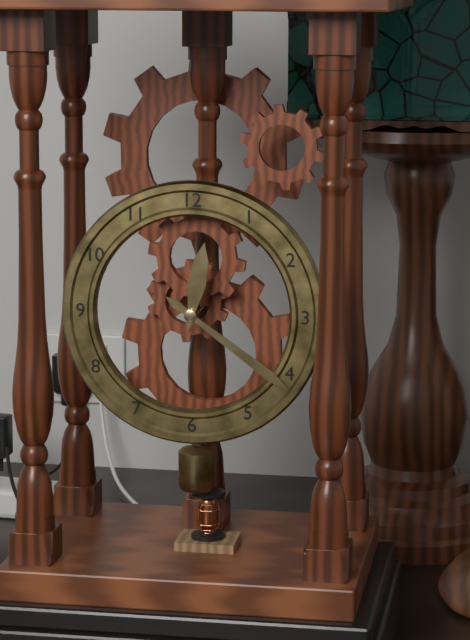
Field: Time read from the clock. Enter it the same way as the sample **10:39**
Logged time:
**12:21**
